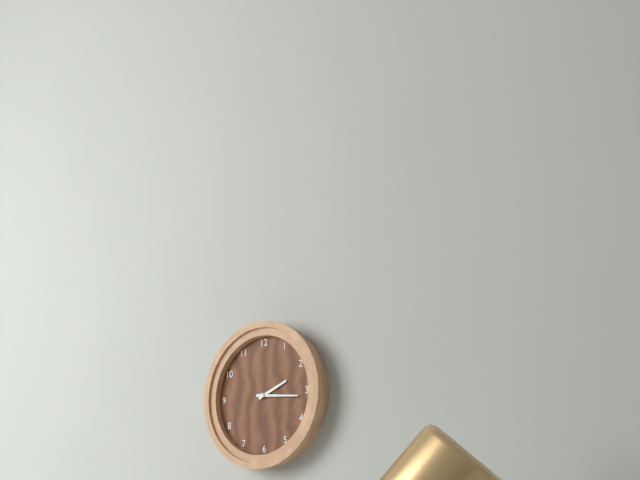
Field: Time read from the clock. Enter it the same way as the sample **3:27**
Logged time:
**2:16**
